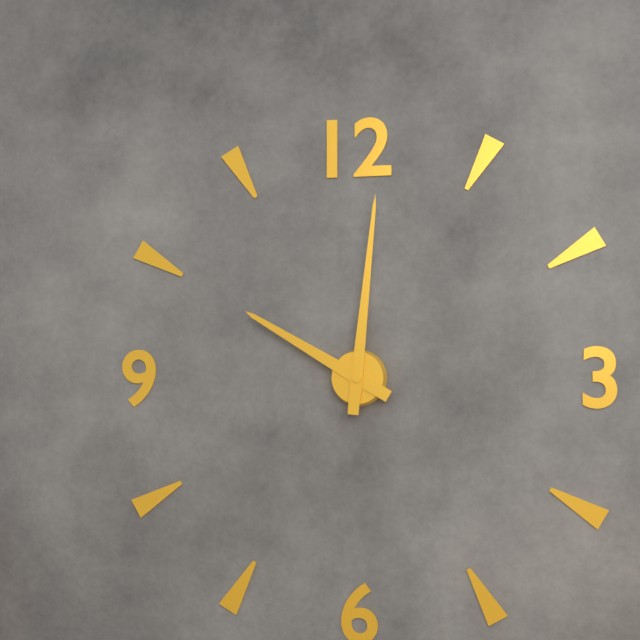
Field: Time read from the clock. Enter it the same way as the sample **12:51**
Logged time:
**10:01**
